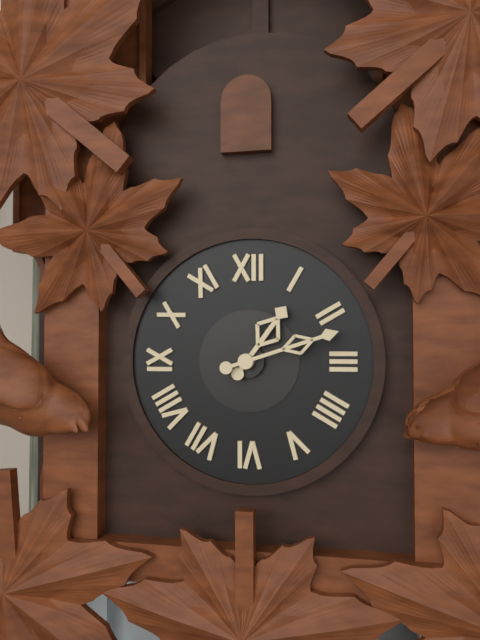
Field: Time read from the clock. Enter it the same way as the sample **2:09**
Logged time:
**1:12**
